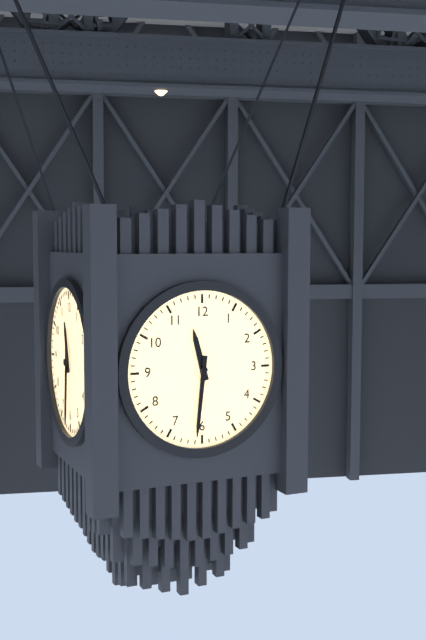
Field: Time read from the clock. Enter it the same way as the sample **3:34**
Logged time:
**11:31**
